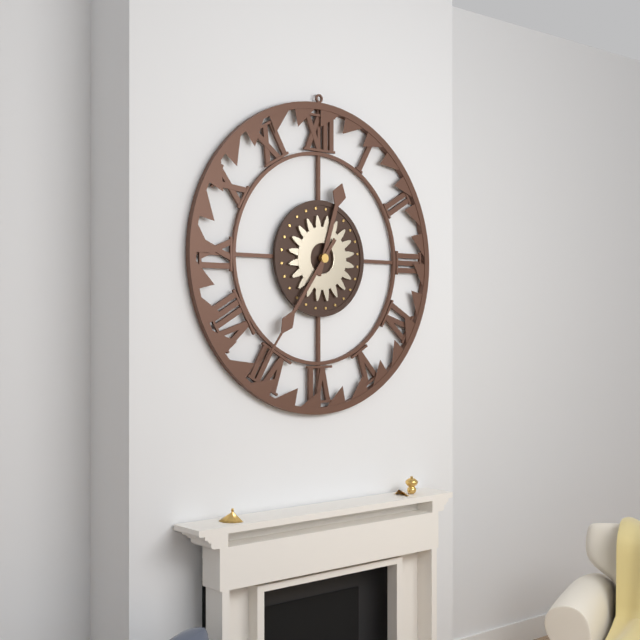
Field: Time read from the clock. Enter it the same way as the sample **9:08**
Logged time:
**12:36**
